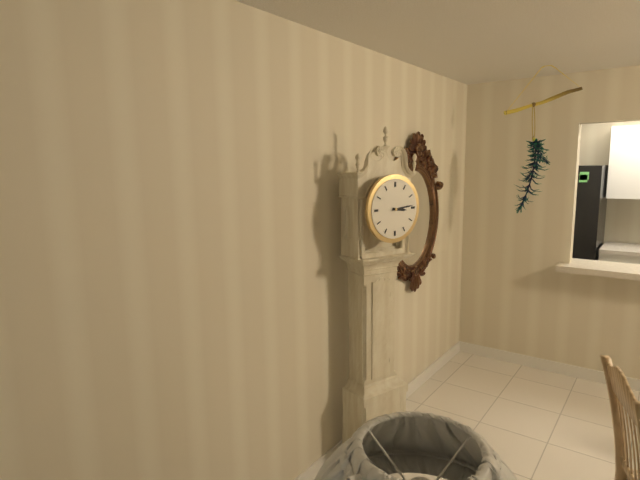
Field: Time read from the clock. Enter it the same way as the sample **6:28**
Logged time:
**3:14**
